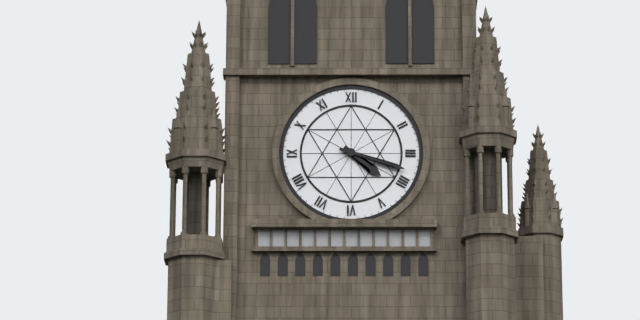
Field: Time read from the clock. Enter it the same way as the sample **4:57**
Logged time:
**4:18**
